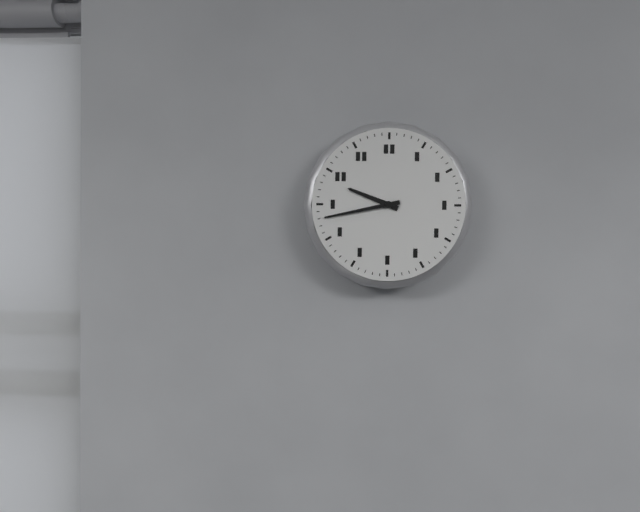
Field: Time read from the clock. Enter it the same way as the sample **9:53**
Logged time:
**9:43**
